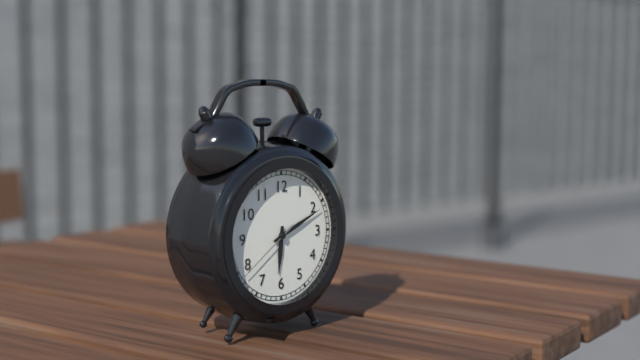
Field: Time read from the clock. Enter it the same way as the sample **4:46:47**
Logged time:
**6:11:39**
